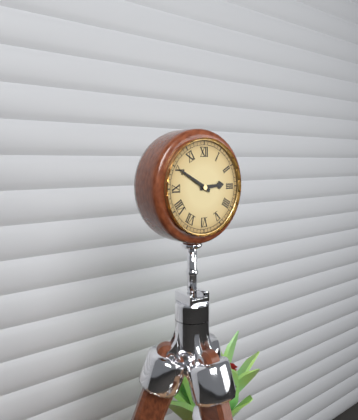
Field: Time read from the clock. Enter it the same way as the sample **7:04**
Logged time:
**2:50**
